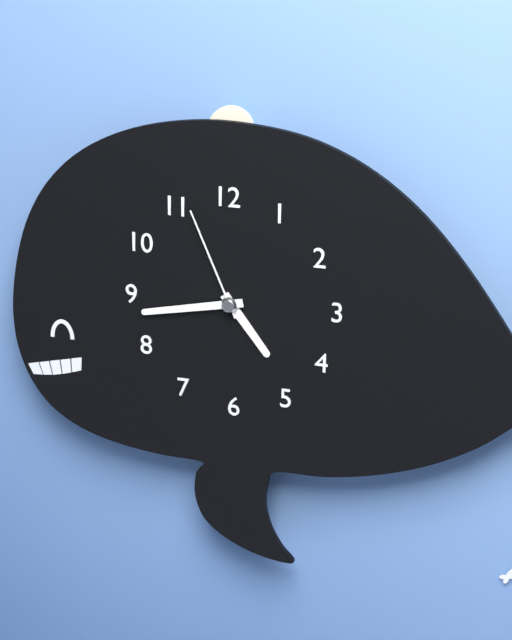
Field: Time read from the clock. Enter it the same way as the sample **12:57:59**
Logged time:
**4:43:56**
